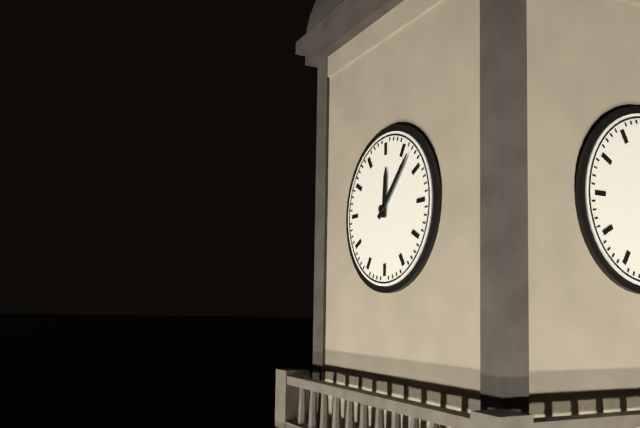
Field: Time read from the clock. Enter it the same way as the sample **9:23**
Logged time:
**12:07**
